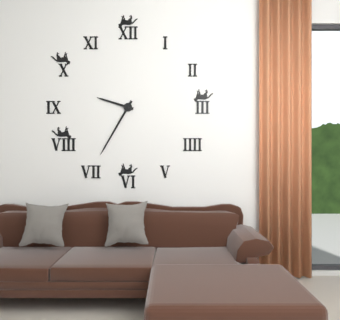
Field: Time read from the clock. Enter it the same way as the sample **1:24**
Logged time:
**9:35**
